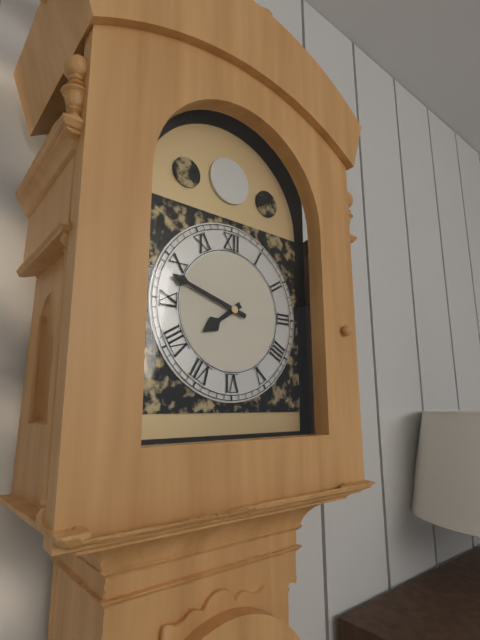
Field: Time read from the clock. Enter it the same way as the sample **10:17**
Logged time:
**7:48**
